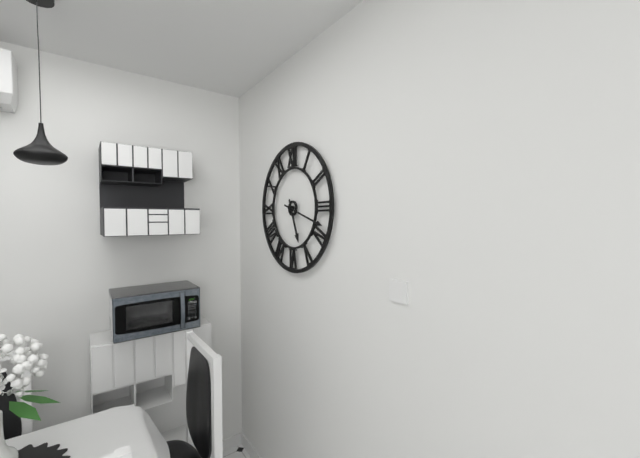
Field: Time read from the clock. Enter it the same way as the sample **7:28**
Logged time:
**5:18**
